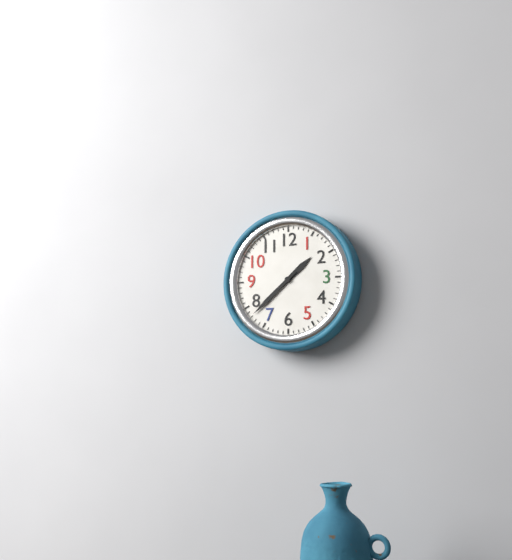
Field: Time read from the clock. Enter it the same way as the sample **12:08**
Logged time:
**1:38**
